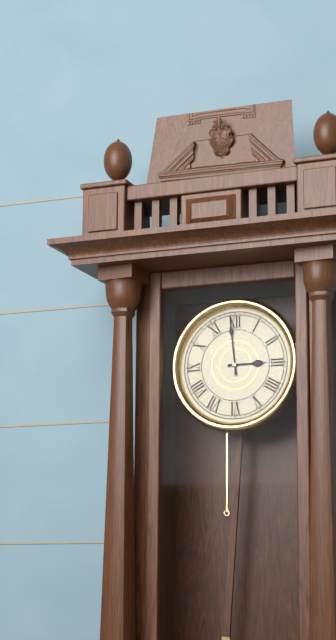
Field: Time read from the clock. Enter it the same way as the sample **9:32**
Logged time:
**2:59**
